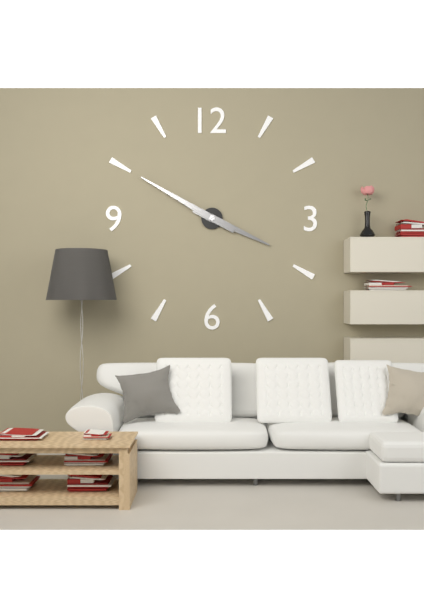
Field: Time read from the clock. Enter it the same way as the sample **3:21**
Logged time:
**3:50**
